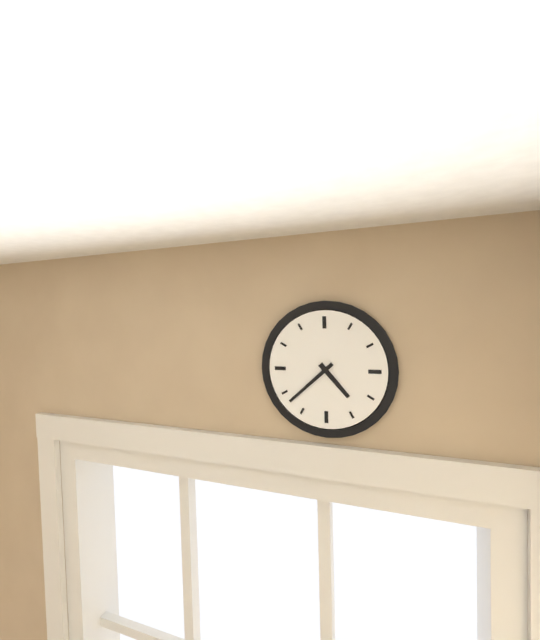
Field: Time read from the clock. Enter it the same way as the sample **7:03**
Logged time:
**4:38**
